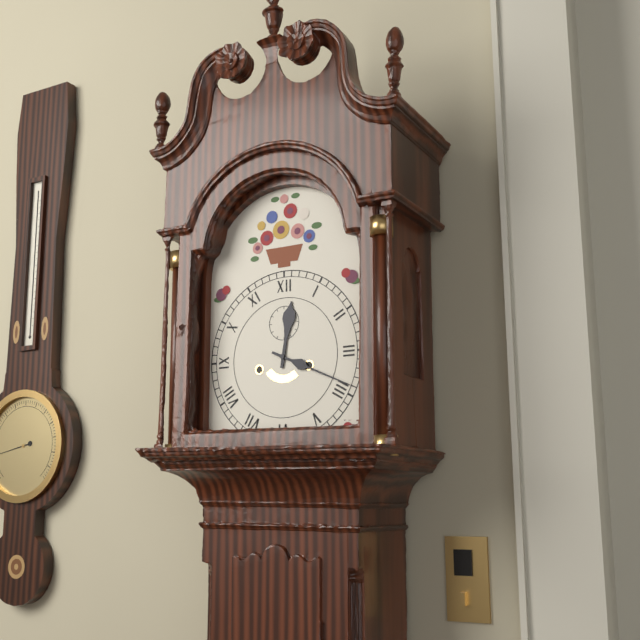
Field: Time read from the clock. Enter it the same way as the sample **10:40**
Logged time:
**12:19**
